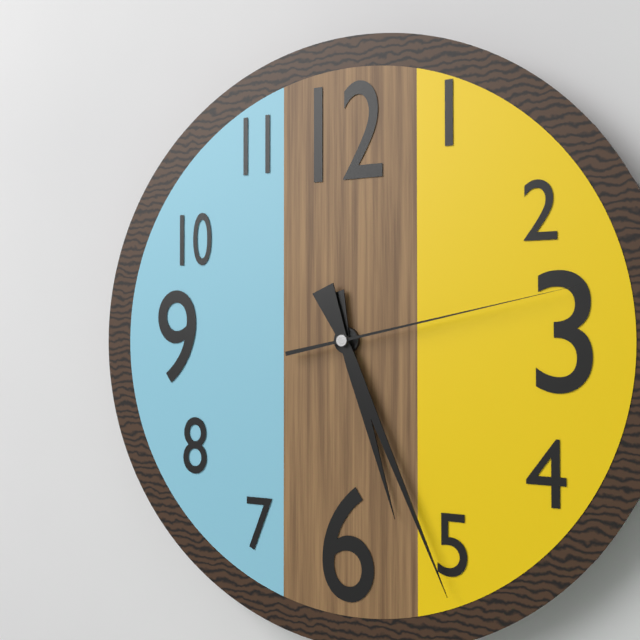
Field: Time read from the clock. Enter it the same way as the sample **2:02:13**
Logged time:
**5:26:13**
